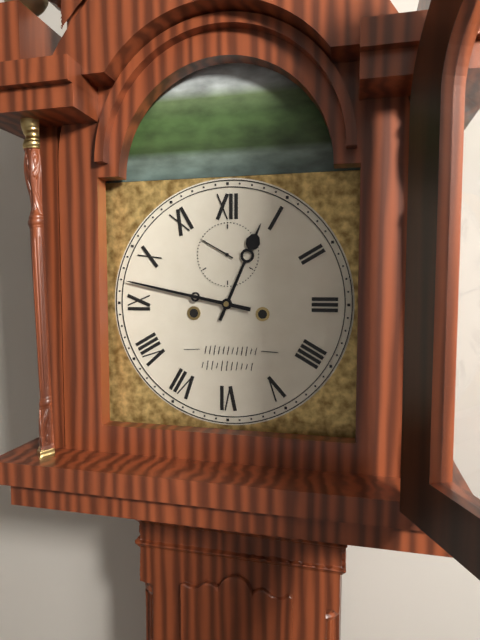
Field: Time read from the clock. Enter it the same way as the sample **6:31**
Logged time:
**12:47**
